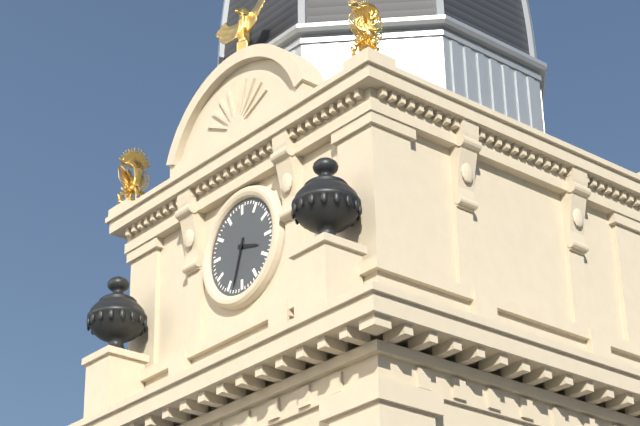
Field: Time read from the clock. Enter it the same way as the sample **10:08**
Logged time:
**3:33**
